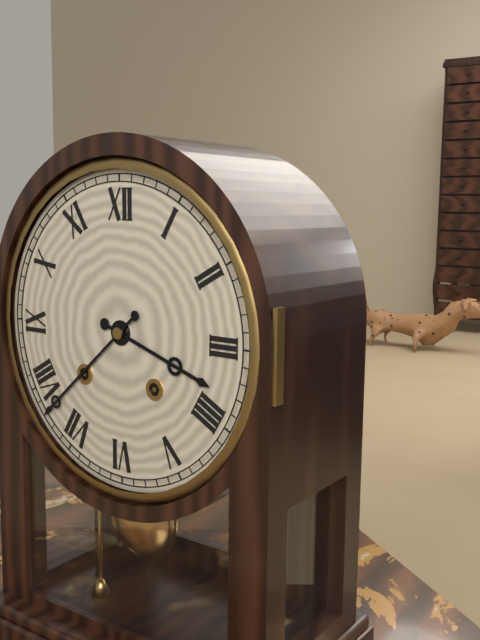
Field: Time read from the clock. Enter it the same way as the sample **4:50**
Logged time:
**3:38**
